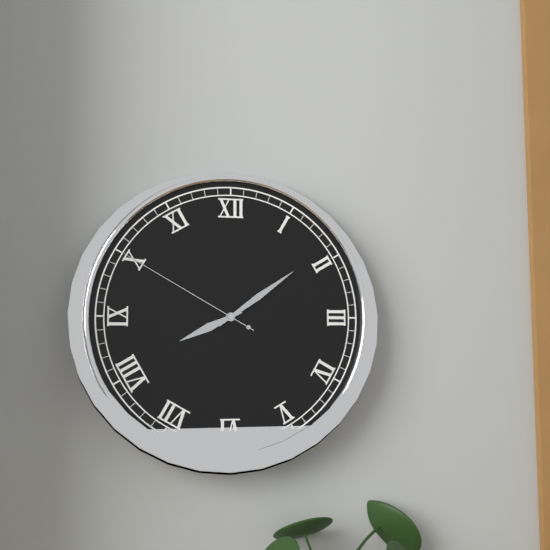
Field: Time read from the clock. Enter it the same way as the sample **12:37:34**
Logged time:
**8:09:50**
